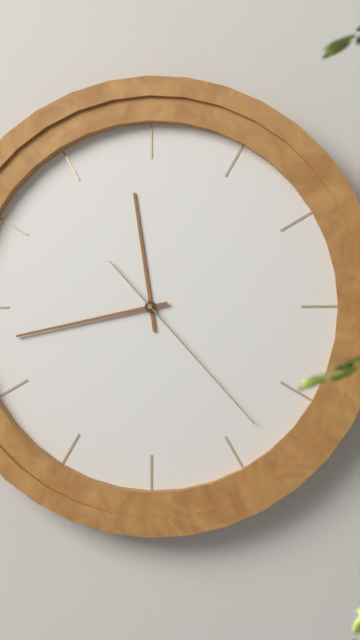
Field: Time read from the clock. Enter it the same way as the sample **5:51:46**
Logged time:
**11:43:23**
